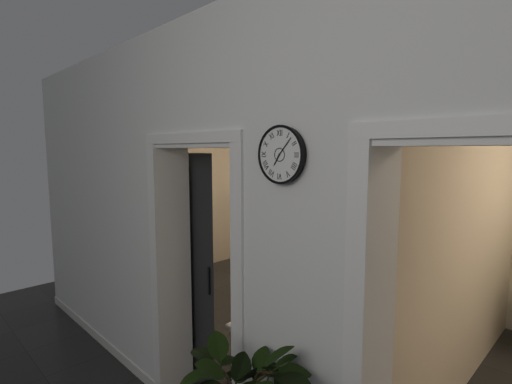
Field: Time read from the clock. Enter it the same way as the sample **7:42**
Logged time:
**7:07**
